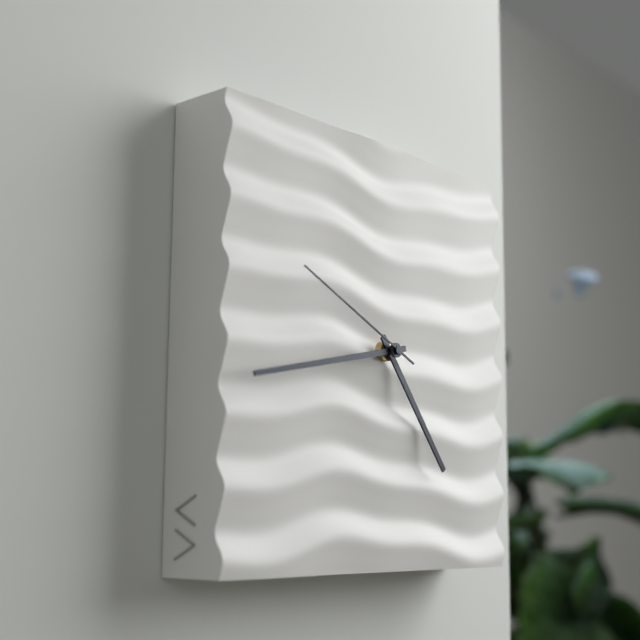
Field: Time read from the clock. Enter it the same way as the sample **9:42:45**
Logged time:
**4:43:49**
